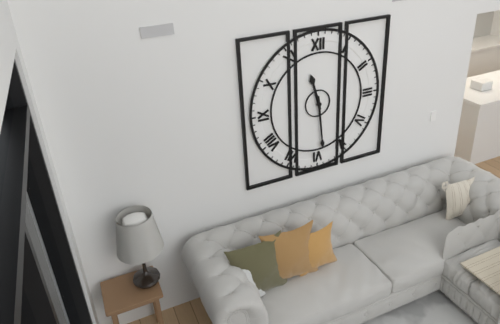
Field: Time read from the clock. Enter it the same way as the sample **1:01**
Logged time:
**11:29**
